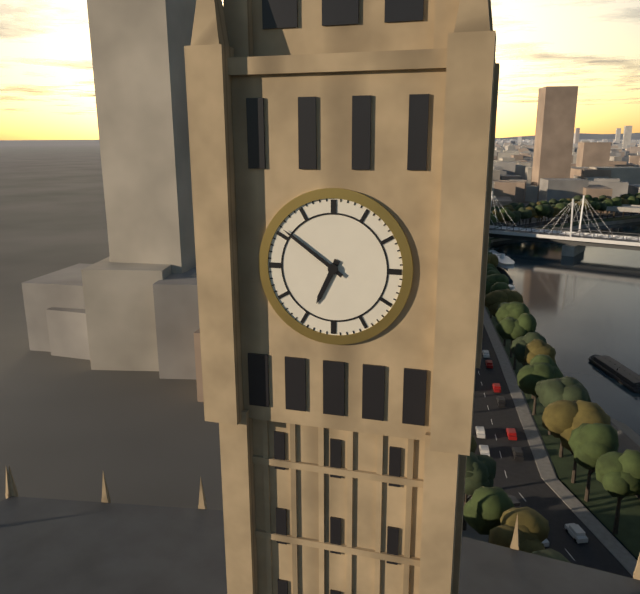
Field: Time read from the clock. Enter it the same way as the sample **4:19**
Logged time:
**6:51**
